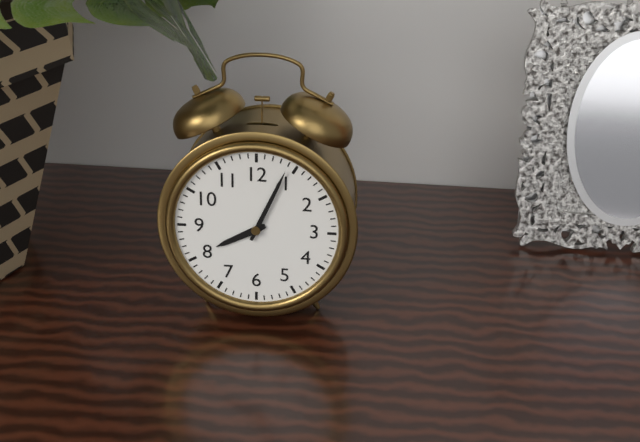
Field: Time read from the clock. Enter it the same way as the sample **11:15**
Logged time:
**8:04**
